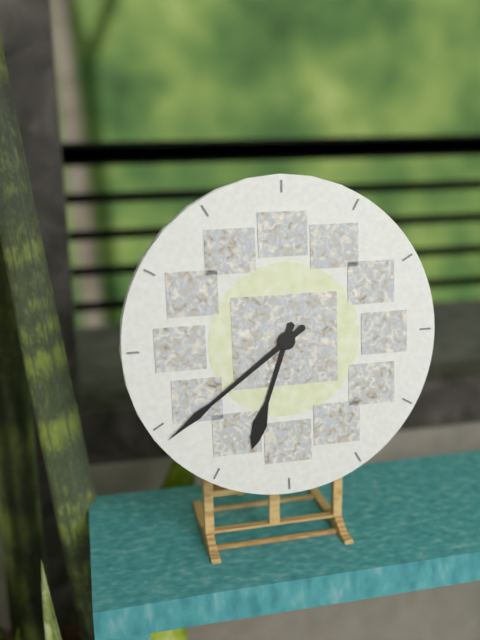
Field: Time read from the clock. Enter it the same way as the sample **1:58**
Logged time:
**6:39**
